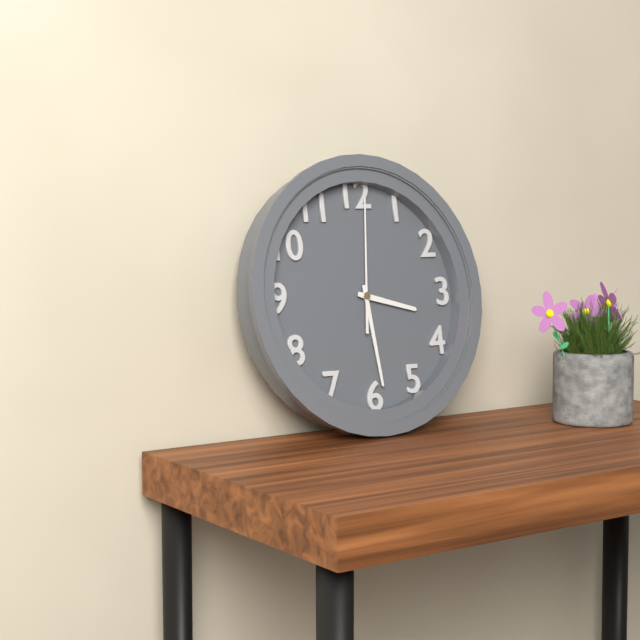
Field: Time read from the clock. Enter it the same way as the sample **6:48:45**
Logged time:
**3:29:01**
